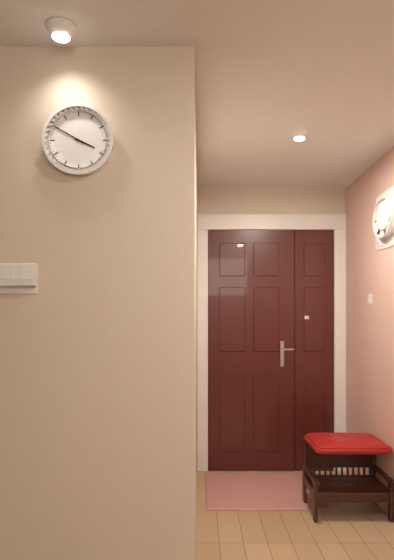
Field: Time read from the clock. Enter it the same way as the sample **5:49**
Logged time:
**3:50**
